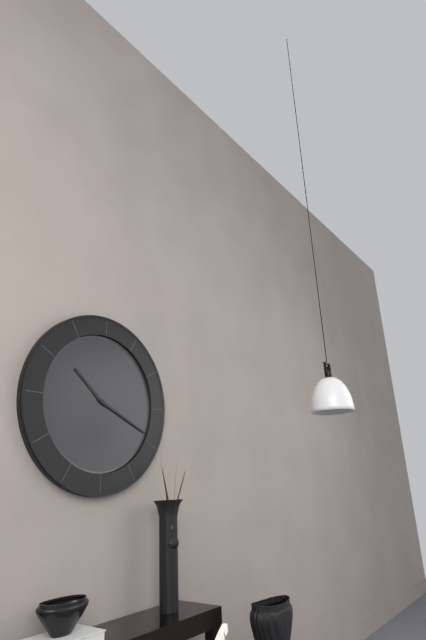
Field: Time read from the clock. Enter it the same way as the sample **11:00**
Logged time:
**10:19**
